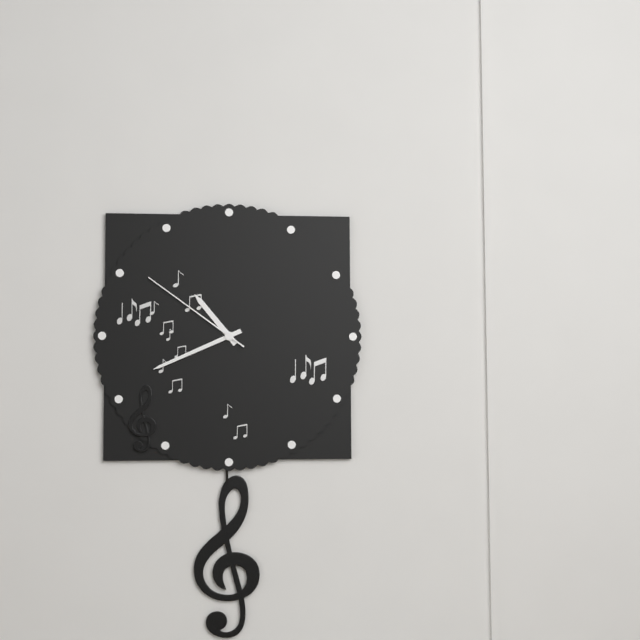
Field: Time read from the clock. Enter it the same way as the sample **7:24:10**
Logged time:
**10:41:51**
